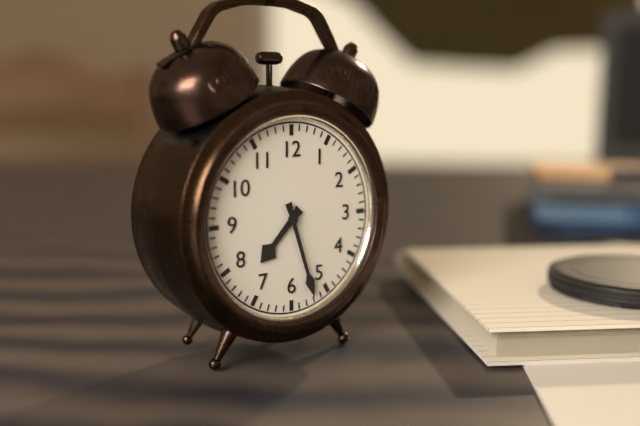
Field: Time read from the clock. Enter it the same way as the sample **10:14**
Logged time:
**7:27**
